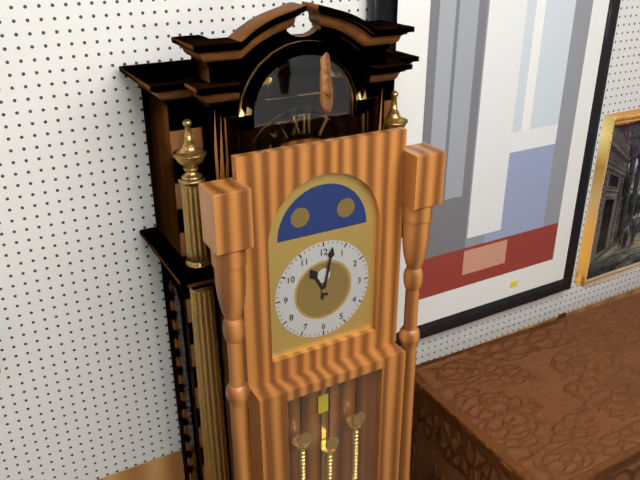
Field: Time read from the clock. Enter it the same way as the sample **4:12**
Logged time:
**11:02**
